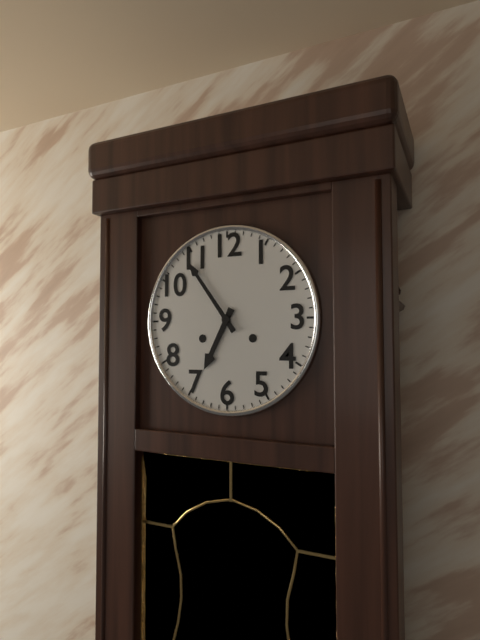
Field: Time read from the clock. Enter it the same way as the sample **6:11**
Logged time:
**6:54**
